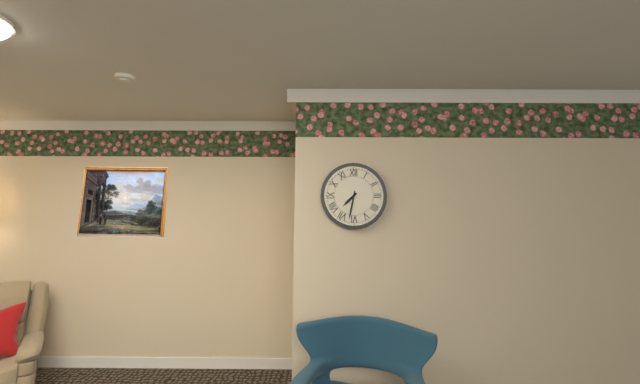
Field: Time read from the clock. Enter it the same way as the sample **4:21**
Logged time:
**7:32**
